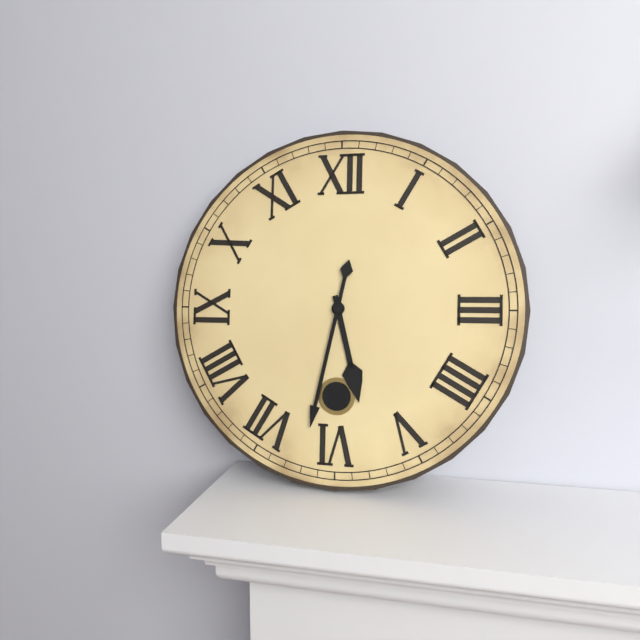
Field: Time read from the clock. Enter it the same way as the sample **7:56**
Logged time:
**5:32**
